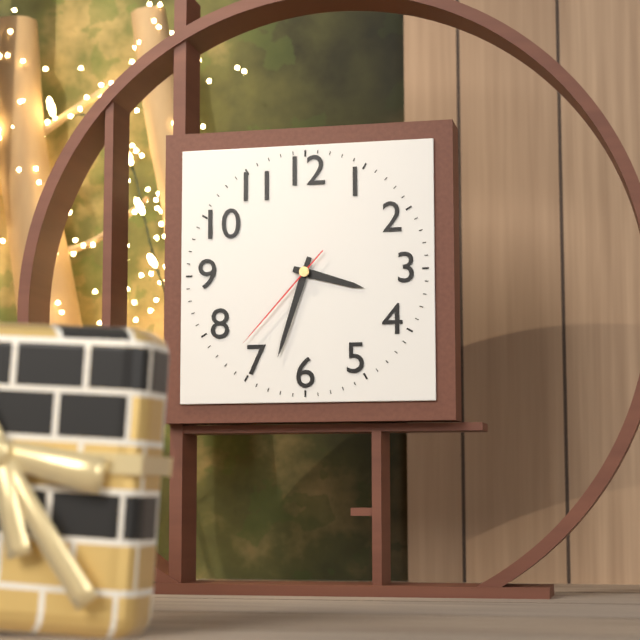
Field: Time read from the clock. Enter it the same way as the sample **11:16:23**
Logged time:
**3:33:37**
